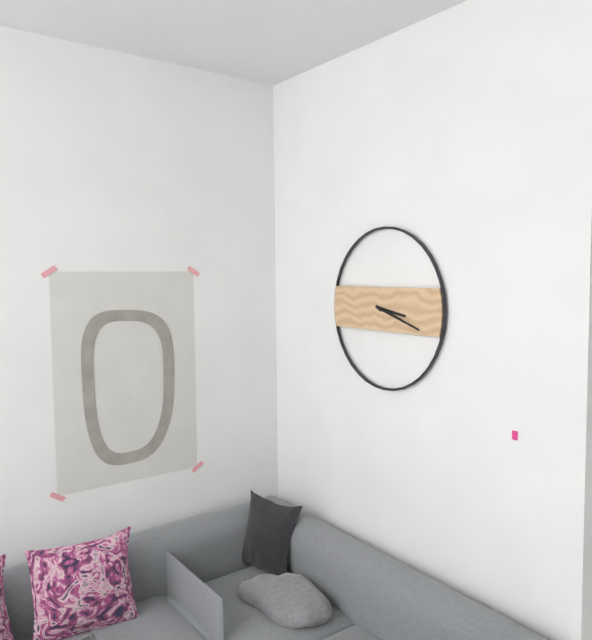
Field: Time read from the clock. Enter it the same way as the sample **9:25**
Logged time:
**3:18**
